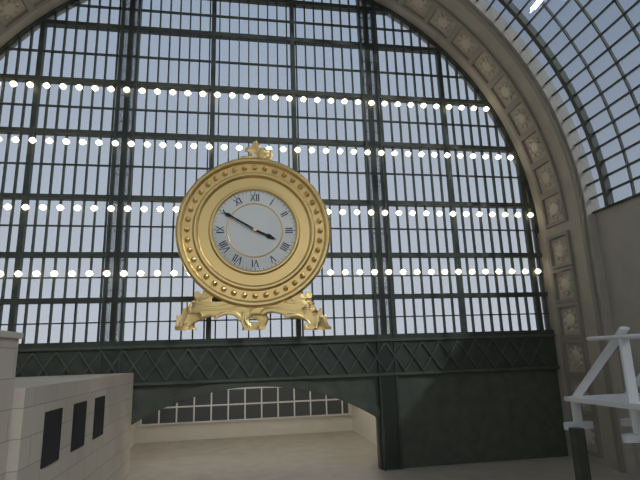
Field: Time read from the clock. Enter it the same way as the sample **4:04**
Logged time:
**3:50**
